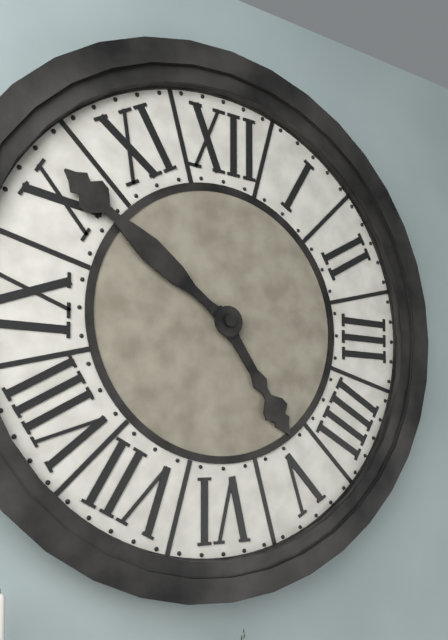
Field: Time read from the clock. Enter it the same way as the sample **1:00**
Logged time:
**4:51**
